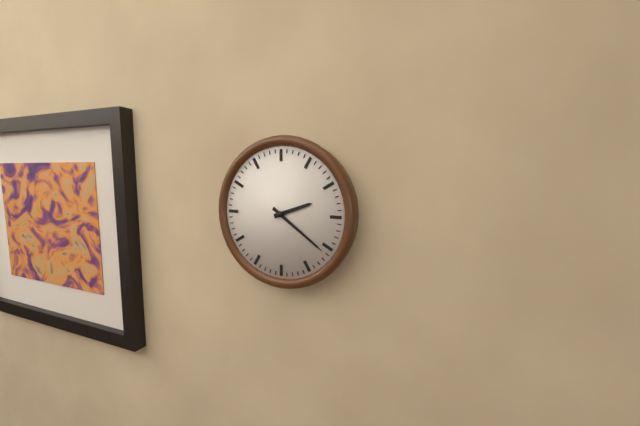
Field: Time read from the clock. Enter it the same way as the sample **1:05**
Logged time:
**2:21**
